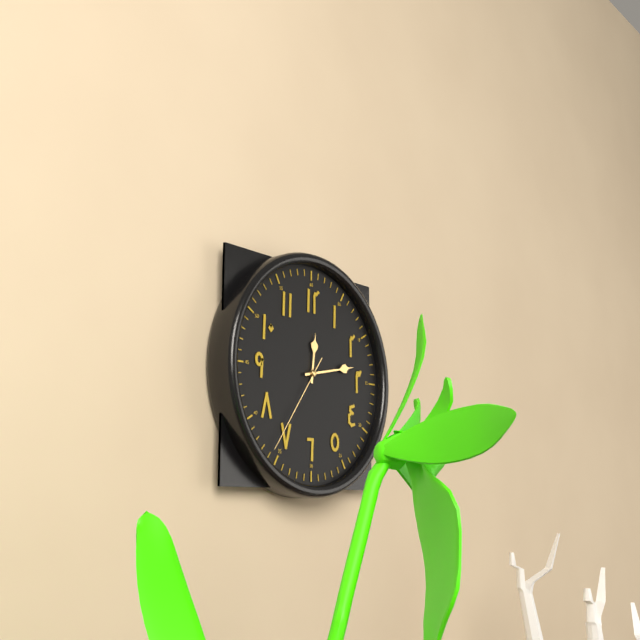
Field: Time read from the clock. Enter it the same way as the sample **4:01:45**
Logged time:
**12:13:36**
